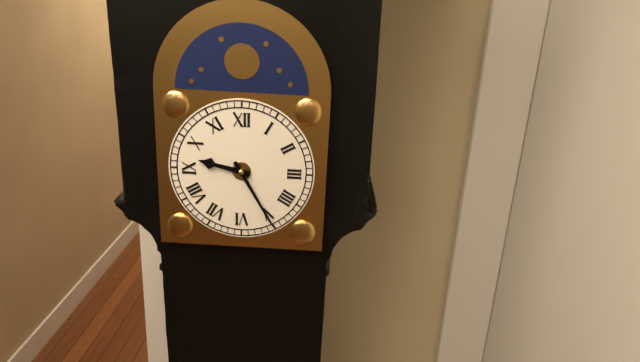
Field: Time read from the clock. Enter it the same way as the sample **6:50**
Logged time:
**9:25**
